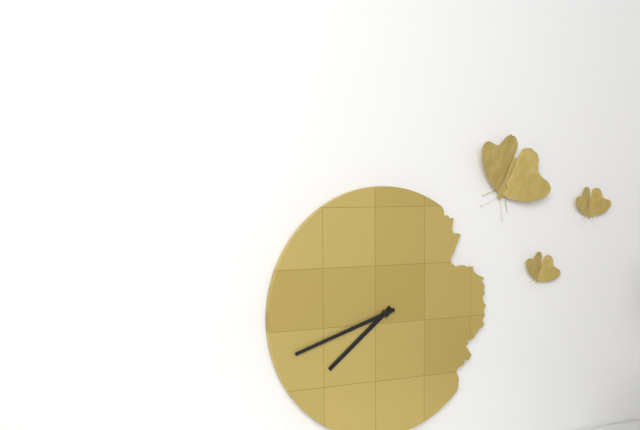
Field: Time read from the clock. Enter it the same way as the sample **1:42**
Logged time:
**7:42**
